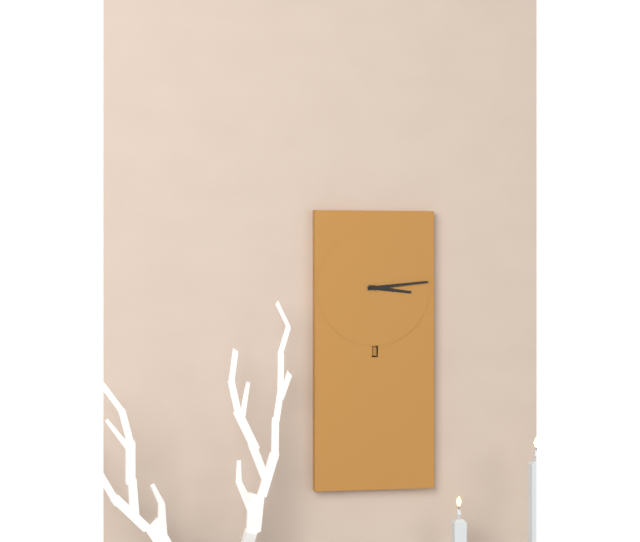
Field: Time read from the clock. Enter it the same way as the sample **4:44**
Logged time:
**3:14**
